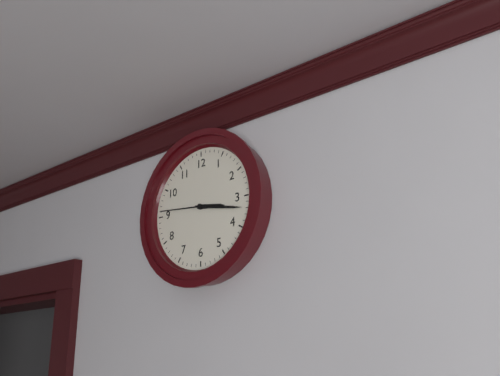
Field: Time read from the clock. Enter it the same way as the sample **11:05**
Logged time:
**3:17**
